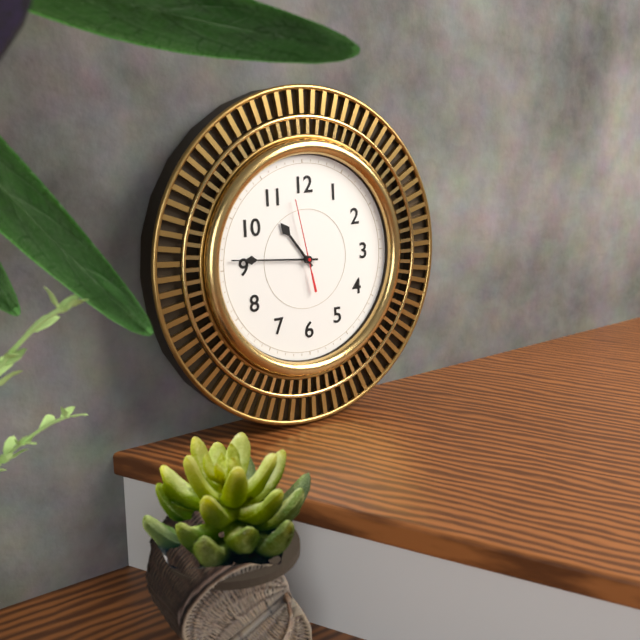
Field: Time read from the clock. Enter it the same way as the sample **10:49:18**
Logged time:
**10:46:58**
